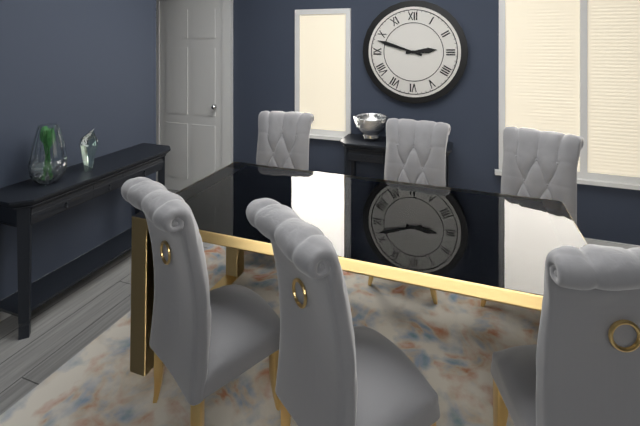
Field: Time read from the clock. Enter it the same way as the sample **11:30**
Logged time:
**2:48**
